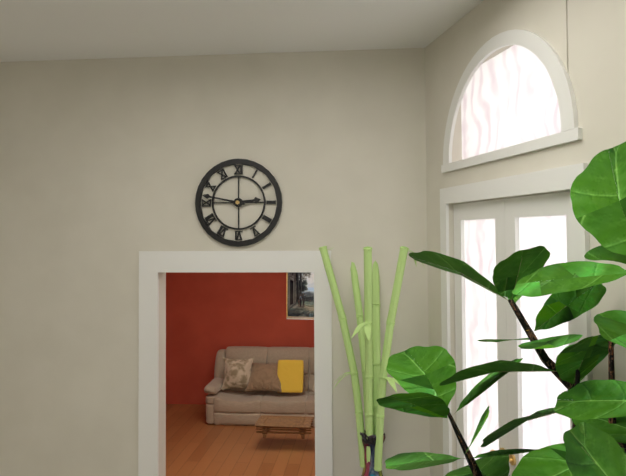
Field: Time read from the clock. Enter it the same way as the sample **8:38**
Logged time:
**2:47**
